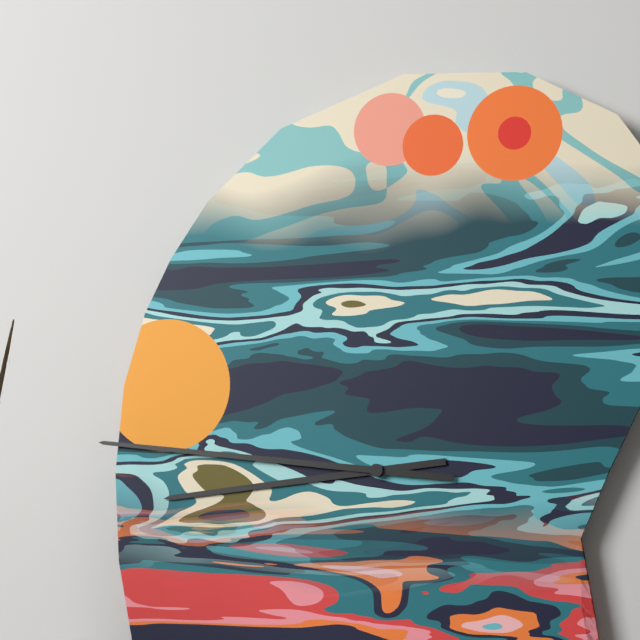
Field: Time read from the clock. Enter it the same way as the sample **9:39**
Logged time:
**8:46**
